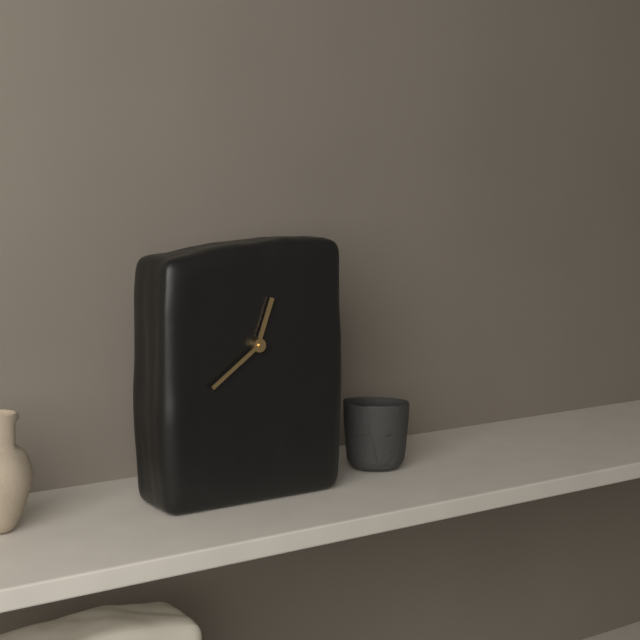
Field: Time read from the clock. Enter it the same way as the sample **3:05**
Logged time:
**12:39**
